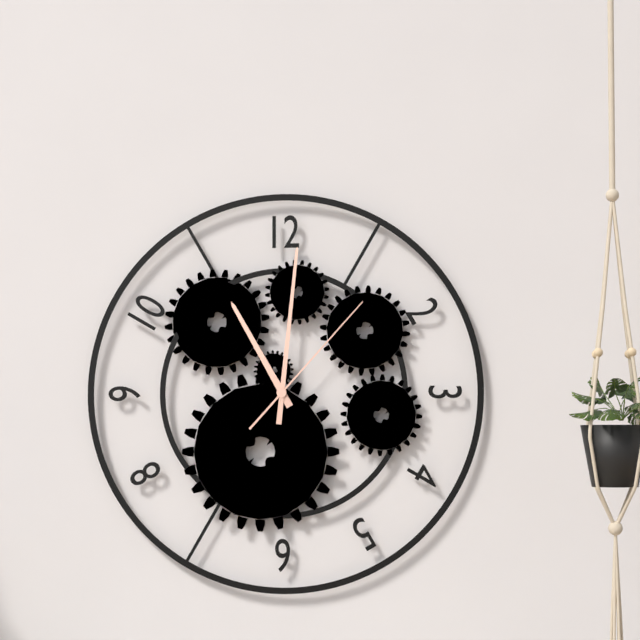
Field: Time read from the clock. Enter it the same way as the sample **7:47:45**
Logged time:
**11:01:07**
